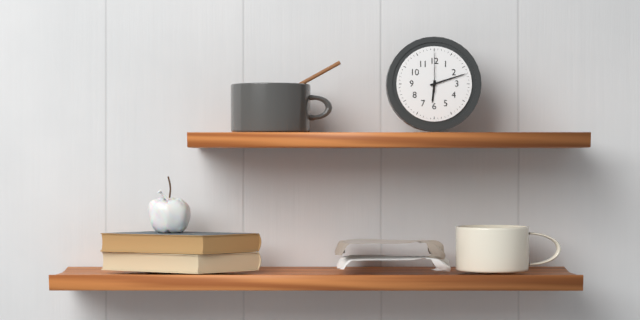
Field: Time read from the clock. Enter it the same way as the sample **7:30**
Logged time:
**6:12**
